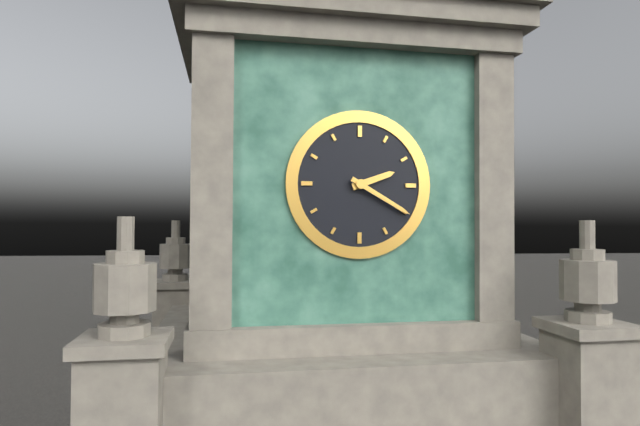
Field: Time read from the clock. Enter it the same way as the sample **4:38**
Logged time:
**2:20**
